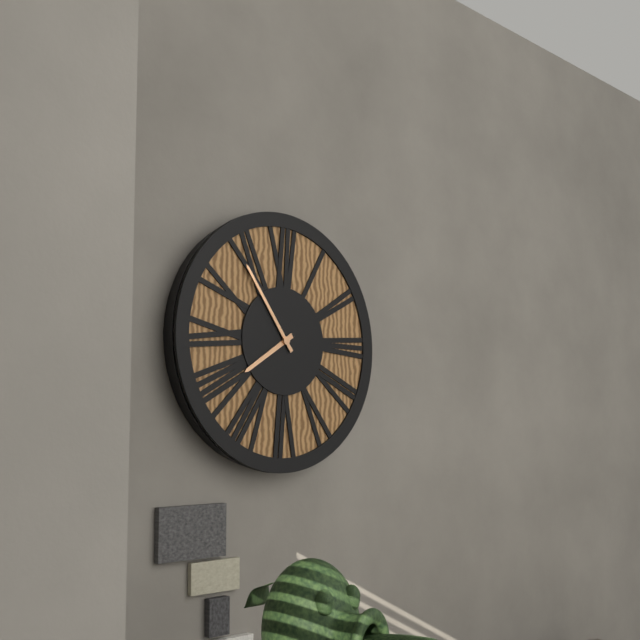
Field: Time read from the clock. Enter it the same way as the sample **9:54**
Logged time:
**7:54**
